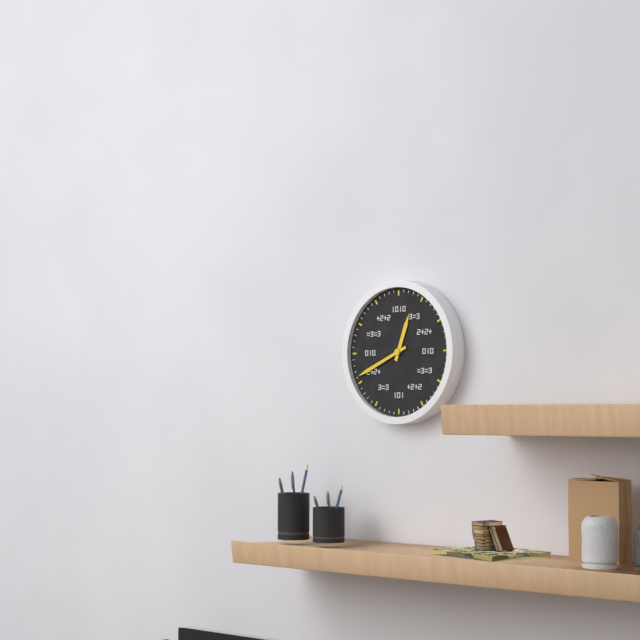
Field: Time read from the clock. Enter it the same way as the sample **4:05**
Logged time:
**12:41**
